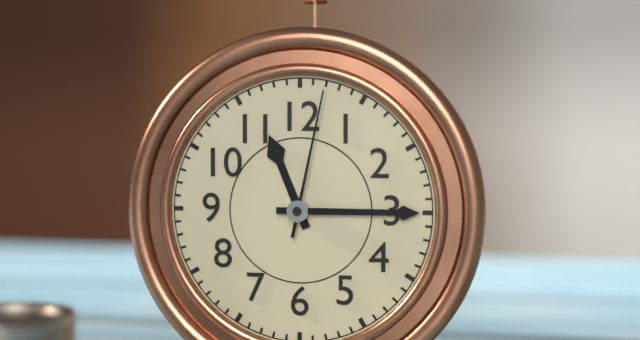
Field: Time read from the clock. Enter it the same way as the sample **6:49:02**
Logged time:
**11:15:02**
